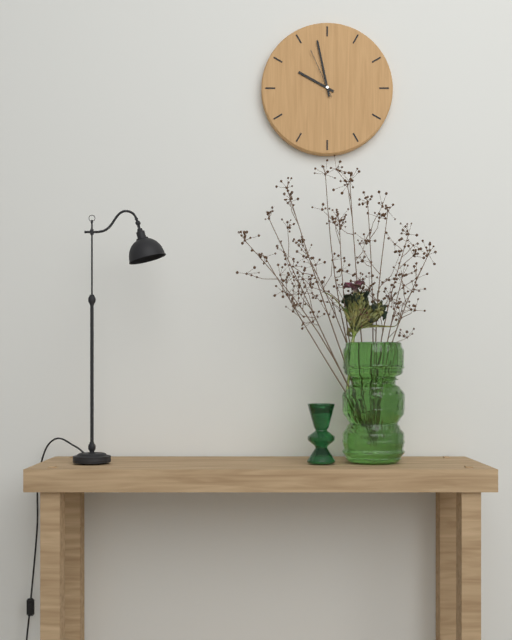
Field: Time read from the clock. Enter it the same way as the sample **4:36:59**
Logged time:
**9:58:56**
